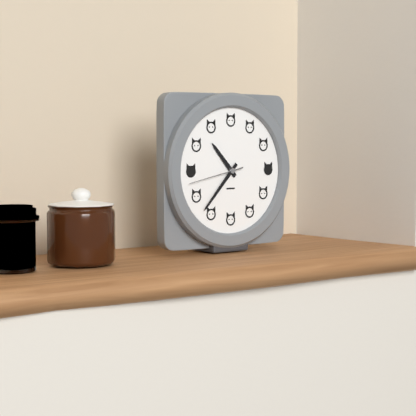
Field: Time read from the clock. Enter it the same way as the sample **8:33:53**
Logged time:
**10:37:43**
